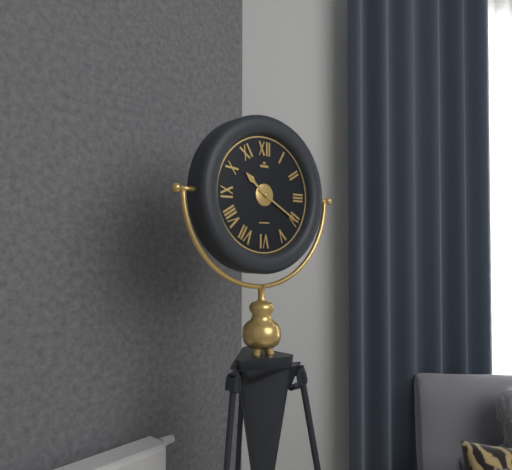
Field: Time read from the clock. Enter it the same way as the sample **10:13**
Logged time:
**10:20**
